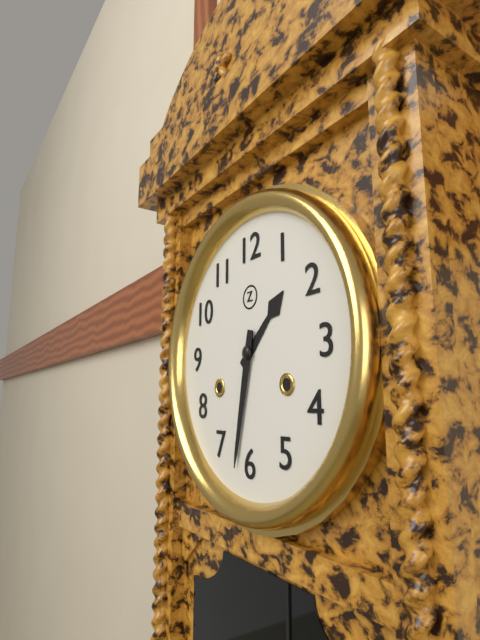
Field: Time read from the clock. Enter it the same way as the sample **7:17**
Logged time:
**1:32**
